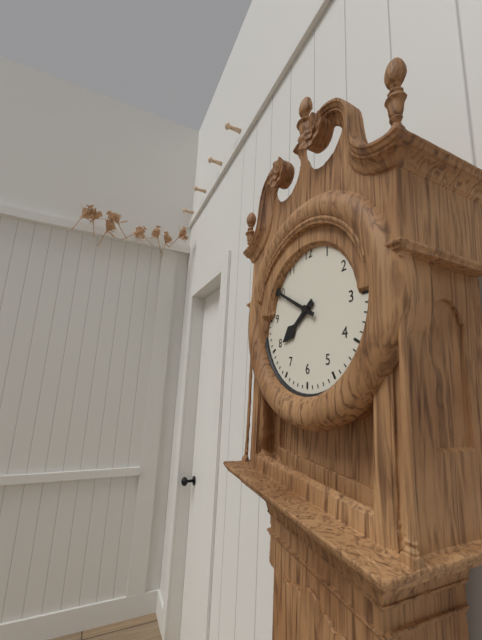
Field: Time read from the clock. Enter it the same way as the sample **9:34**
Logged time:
**7:50**
